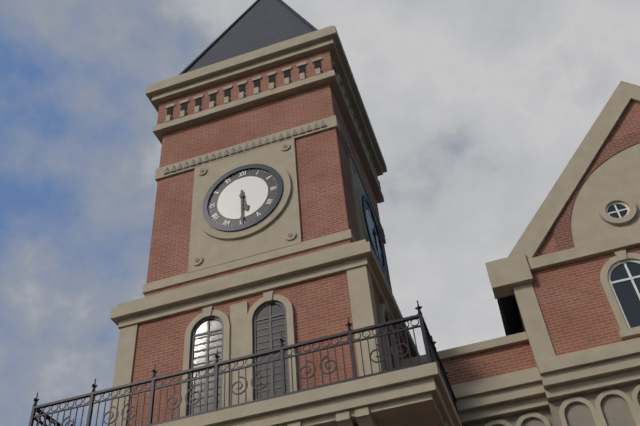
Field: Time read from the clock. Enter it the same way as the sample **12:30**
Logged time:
**5:30**
